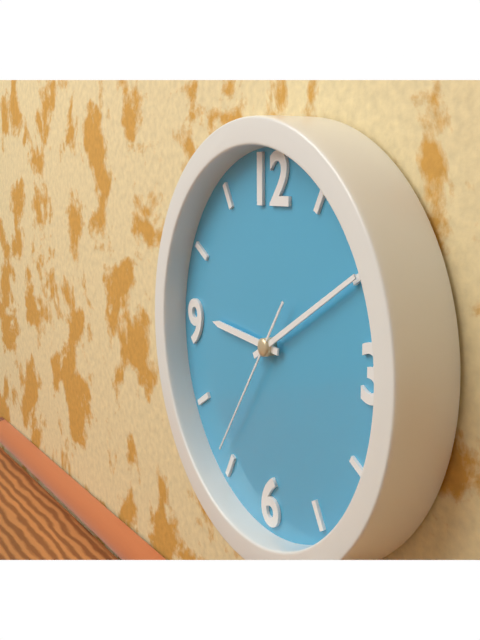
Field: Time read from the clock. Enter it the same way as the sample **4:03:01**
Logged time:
**9:10:36**
